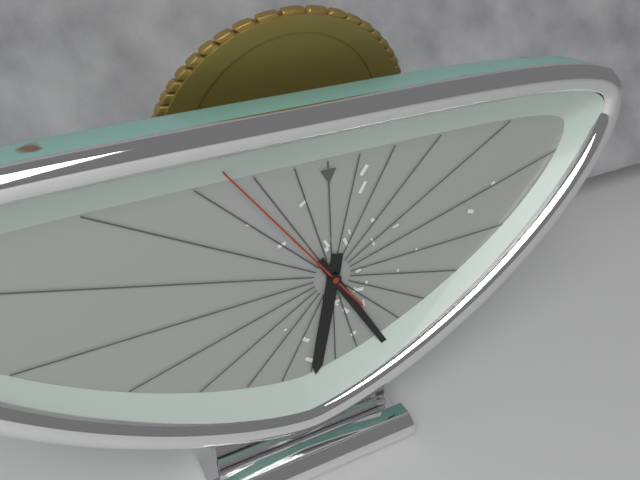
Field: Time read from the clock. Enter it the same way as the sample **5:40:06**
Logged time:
**6:25:54**
